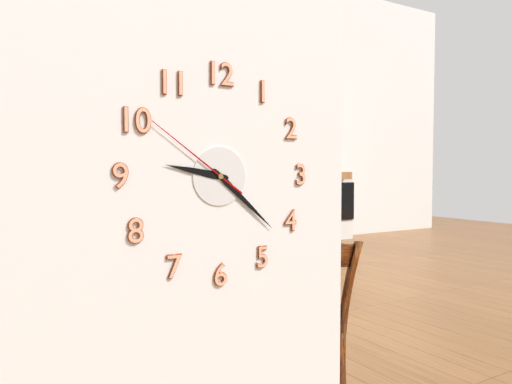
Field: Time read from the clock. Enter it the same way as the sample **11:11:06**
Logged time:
**9:22:51**
